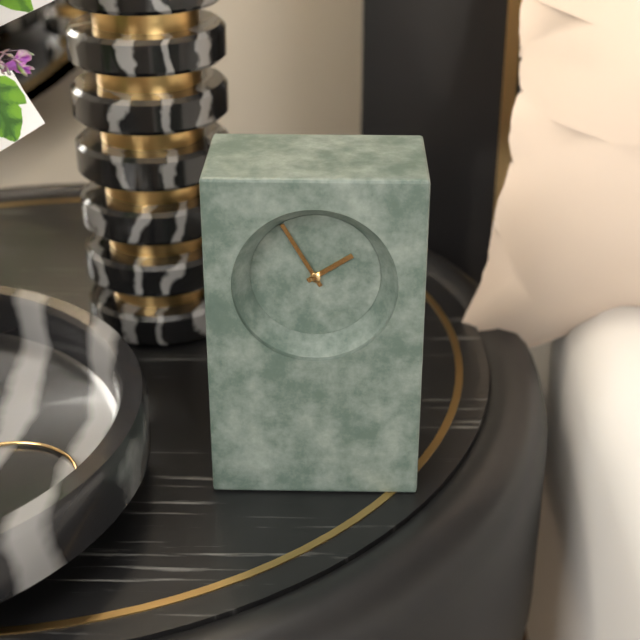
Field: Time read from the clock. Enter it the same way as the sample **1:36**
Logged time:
**1:55**
